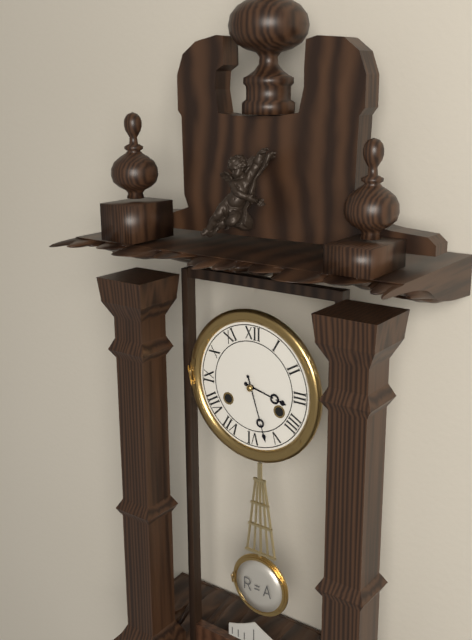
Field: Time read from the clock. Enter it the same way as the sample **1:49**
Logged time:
**3:27**
